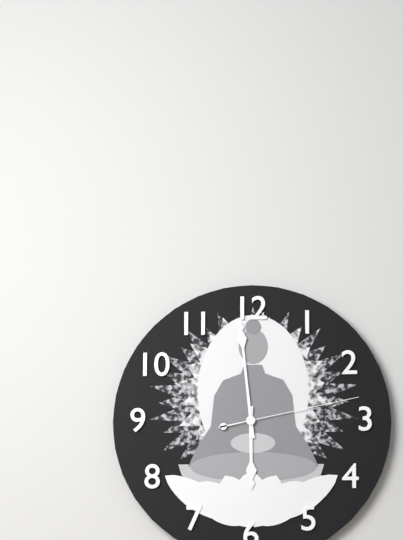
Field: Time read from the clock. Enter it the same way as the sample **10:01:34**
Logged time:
**5:59:13**
